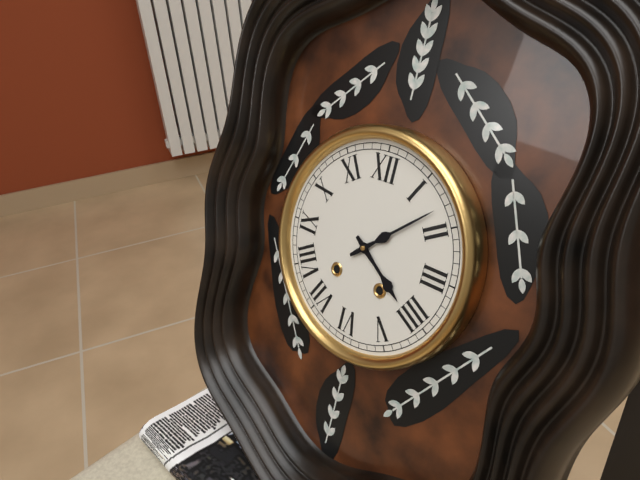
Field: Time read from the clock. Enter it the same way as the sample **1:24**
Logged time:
**4:08**
